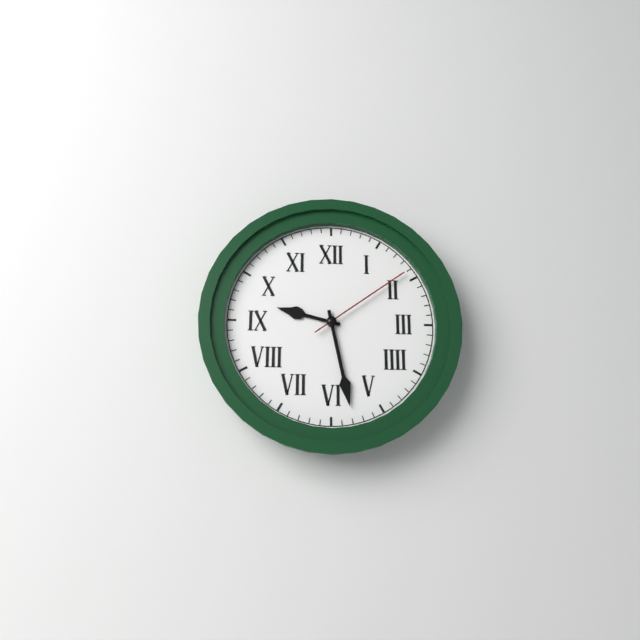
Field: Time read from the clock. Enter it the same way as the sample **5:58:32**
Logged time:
**9:28:09**
